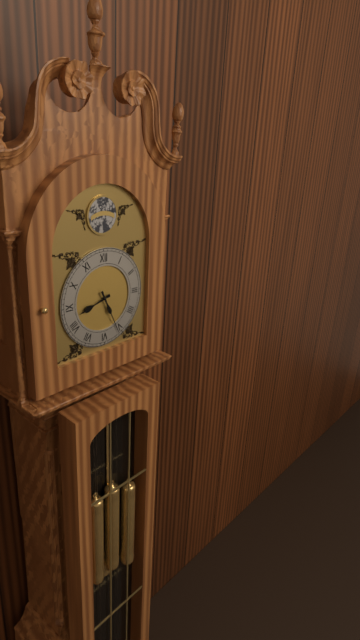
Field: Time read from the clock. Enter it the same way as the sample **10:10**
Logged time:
**8:26**
